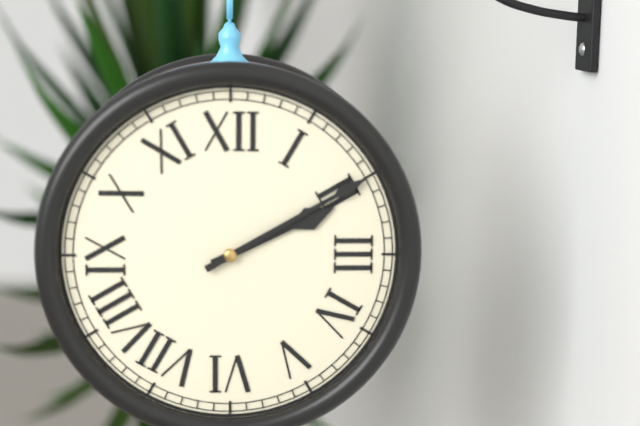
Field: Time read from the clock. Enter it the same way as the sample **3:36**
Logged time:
**2:10**
